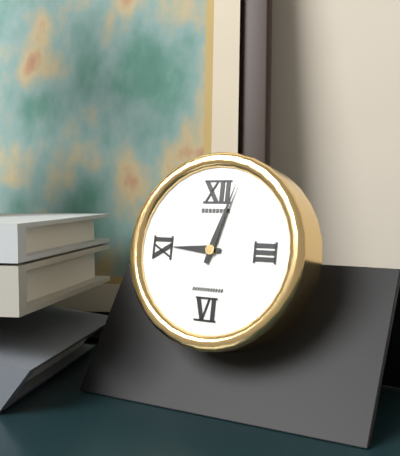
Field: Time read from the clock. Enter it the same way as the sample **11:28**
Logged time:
**9:03**
